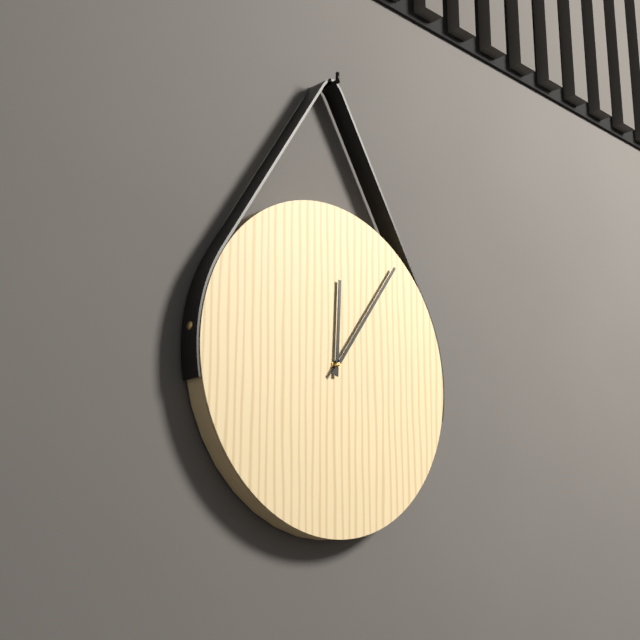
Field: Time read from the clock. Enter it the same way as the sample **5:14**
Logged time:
**12:06**
